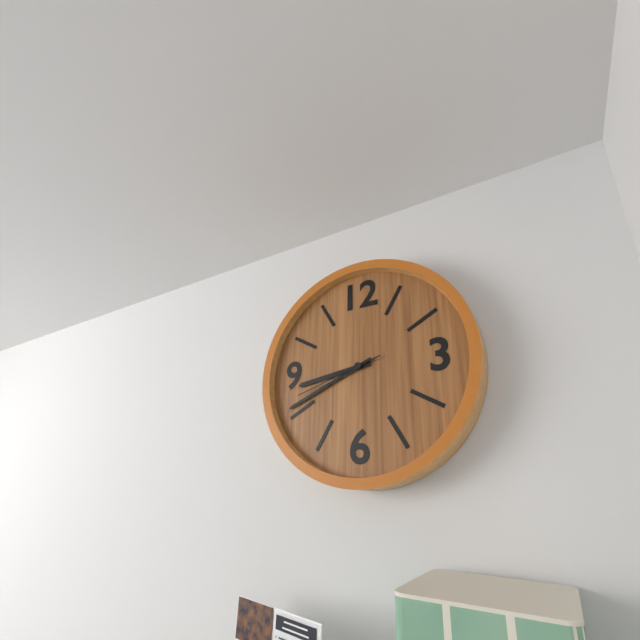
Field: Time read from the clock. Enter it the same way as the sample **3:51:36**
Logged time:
**8:41:42**
